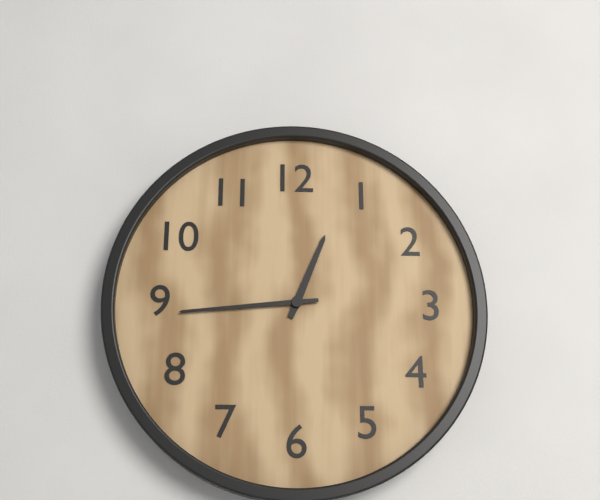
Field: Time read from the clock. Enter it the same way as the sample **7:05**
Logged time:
**12:44**
